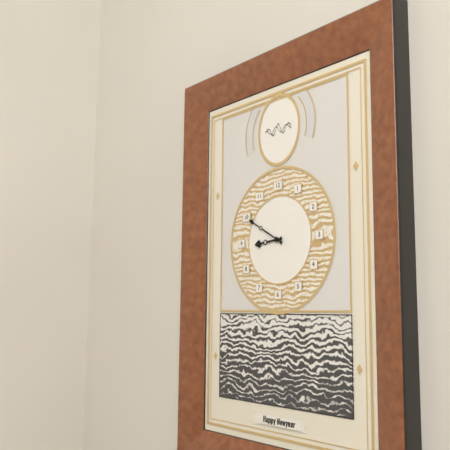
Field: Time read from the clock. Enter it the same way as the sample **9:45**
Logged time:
**8:50**
